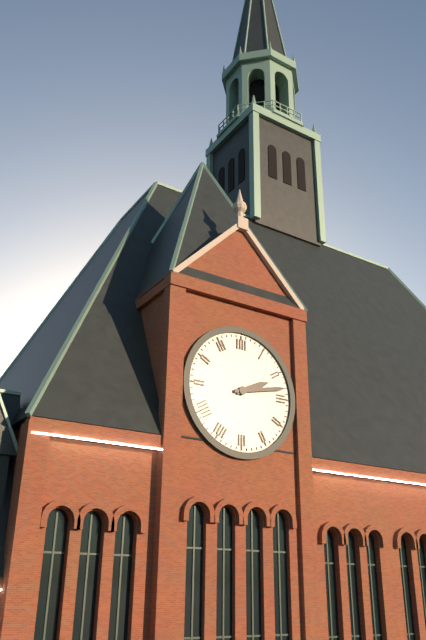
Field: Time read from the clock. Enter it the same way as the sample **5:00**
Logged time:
**2:13**
